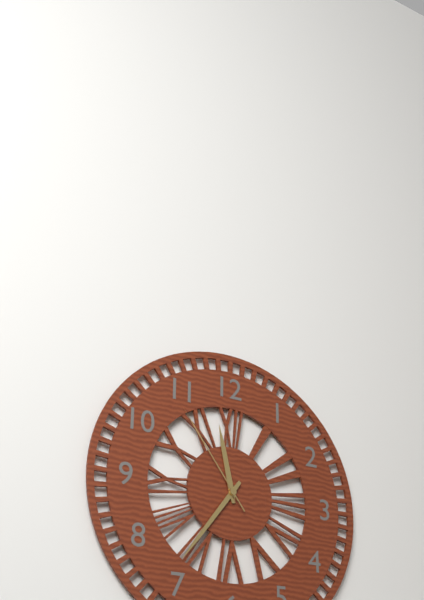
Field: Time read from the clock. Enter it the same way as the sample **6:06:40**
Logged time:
**11:36:54**
